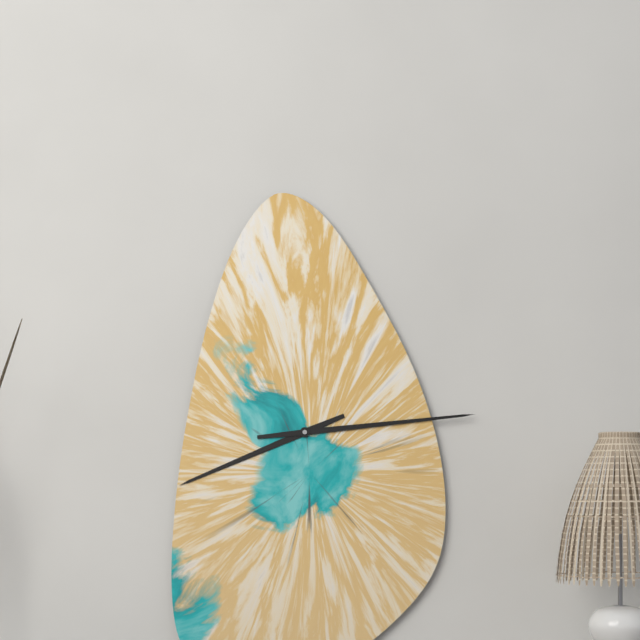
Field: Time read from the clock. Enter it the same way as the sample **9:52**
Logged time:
**8:14**
